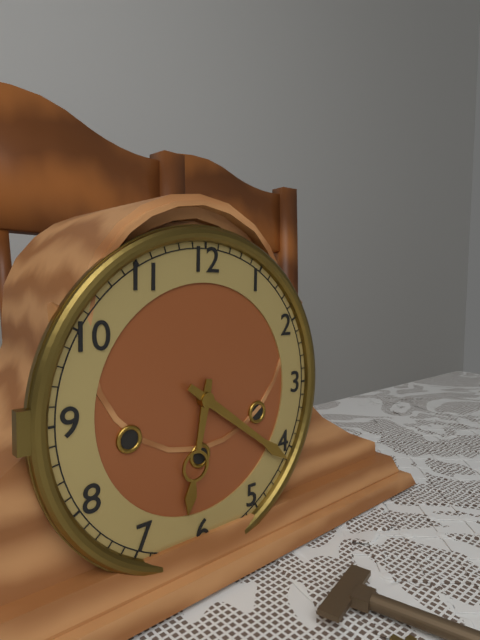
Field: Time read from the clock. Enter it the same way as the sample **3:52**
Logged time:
**6:21**
